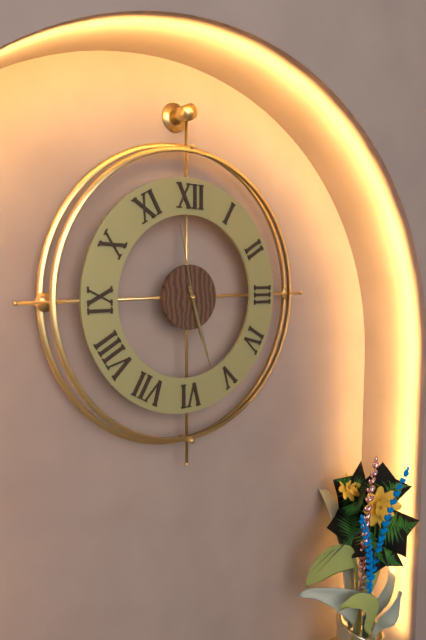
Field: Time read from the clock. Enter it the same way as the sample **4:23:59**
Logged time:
**5:27:58**
